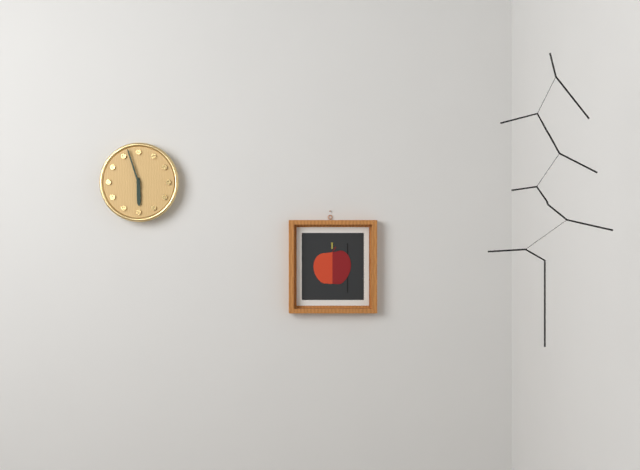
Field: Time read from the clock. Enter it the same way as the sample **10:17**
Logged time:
**5:57**
